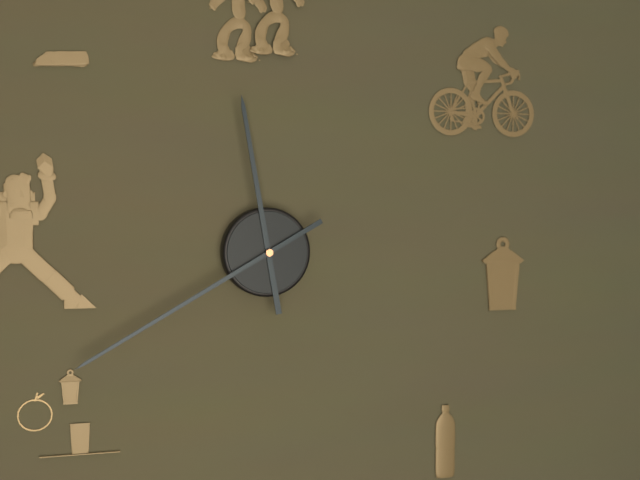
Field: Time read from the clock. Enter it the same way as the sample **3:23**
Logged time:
**11:40**
